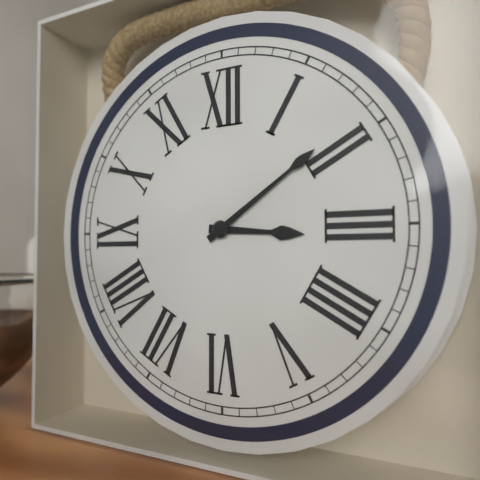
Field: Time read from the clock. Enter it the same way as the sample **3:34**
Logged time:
**3:09**
